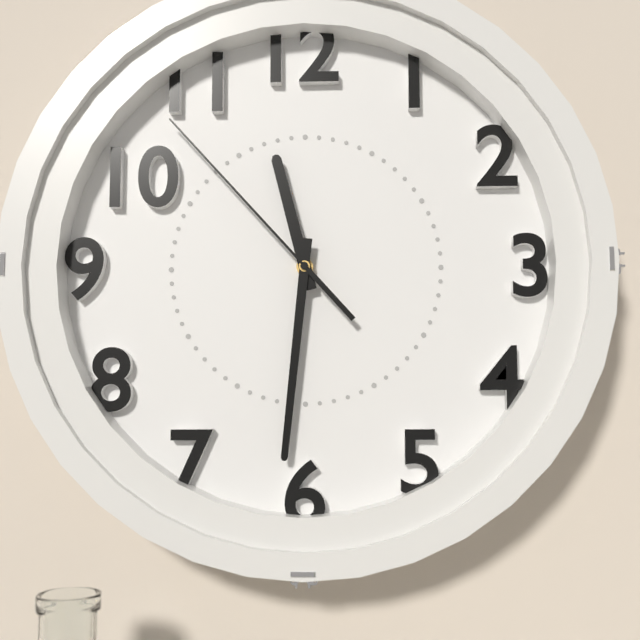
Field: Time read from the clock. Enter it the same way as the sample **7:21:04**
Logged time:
**11:31:53**
